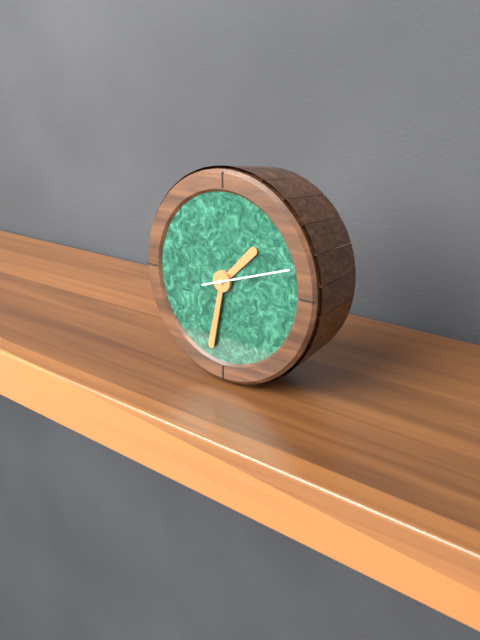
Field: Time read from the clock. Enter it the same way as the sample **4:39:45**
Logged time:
**1:32:12**
